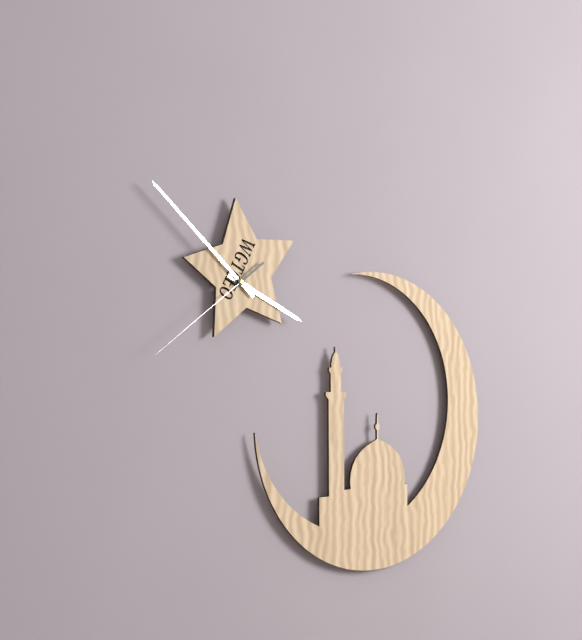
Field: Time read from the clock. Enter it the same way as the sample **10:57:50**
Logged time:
**3:52:39**
